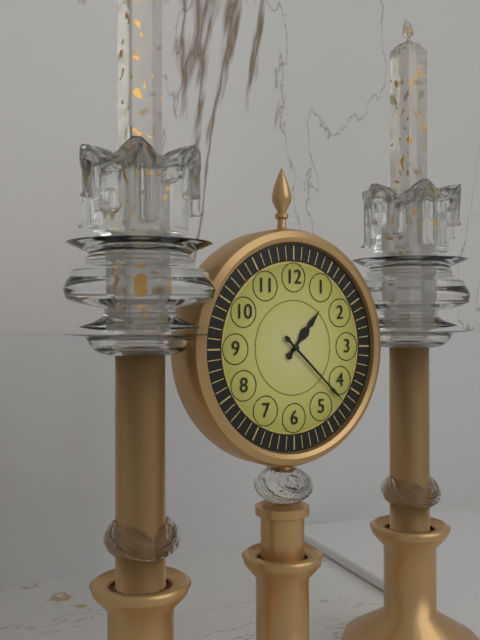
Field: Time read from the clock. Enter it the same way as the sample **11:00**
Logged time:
**1:22**
